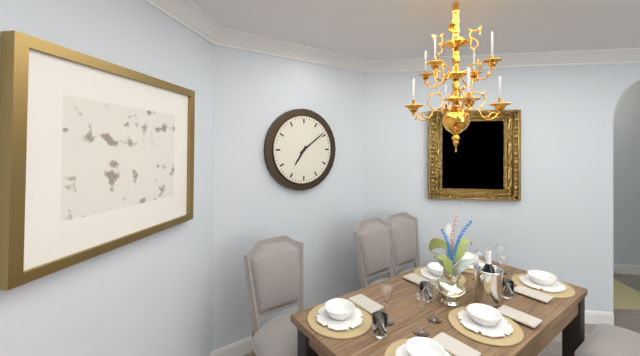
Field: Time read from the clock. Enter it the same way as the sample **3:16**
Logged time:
**7:09**
